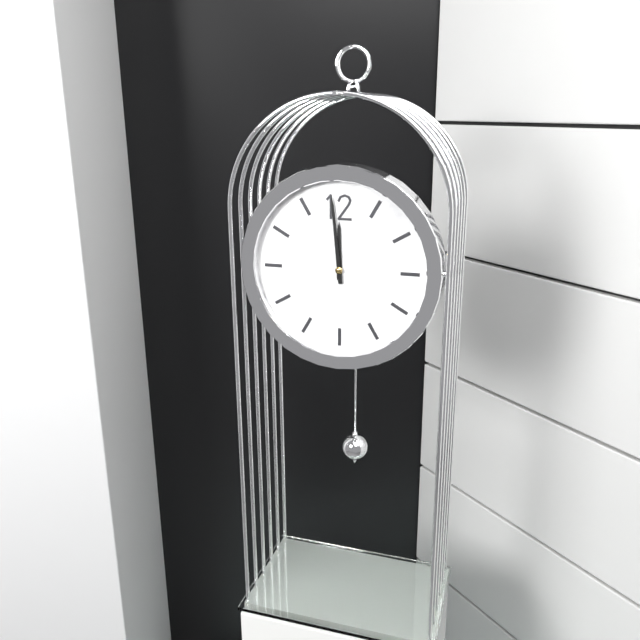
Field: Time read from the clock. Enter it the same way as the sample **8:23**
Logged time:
**11:59**
